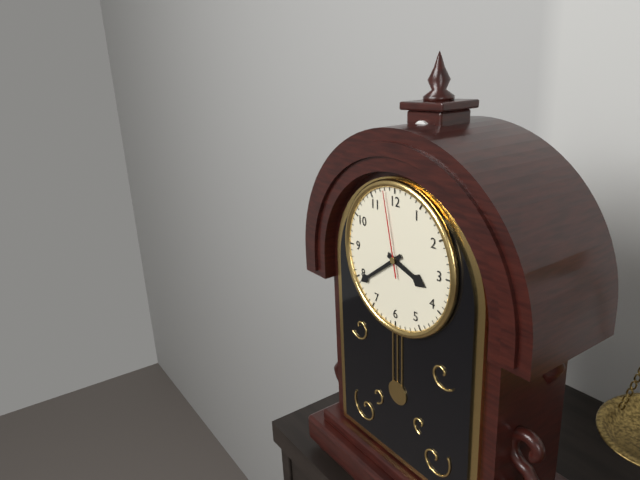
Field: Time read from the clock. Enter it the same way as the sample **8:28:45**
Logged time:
**3:39:58**
